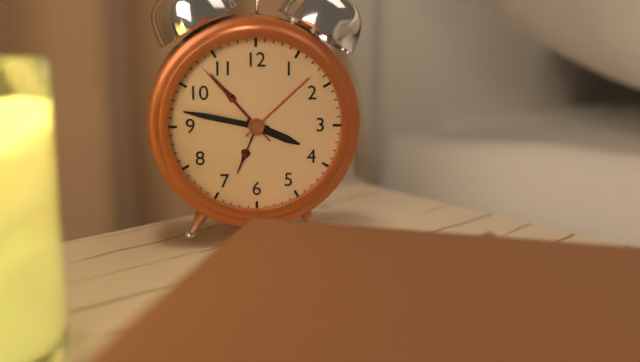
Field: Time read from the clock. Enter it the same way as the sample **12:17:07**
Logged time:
**3:47:53**
